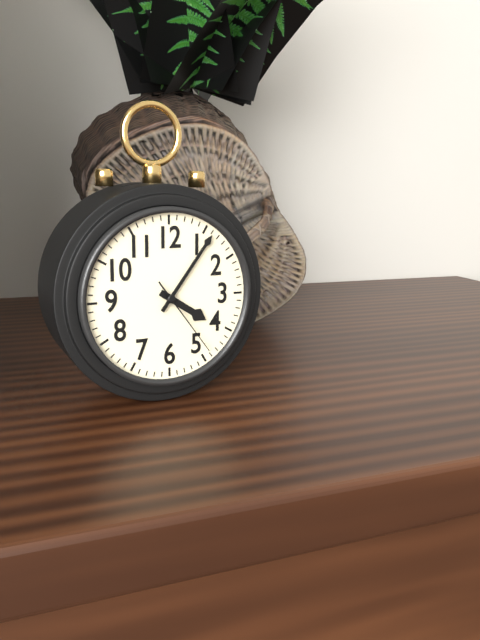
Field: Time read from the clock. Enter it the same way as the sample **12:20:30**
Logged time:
**4:06:24**
